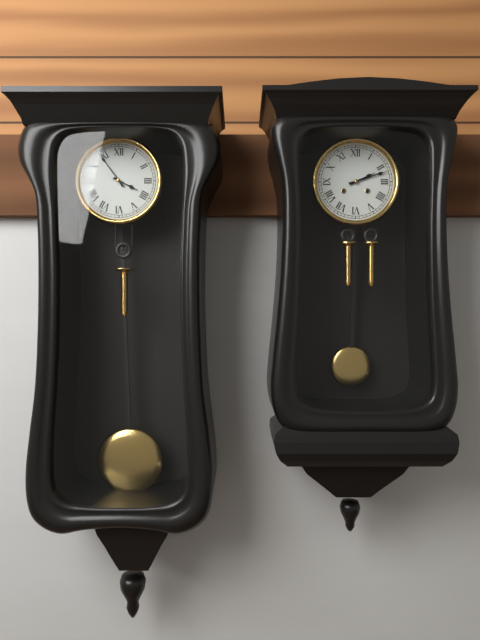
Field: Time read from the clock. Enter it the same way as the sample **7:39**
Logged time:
**3:54**
